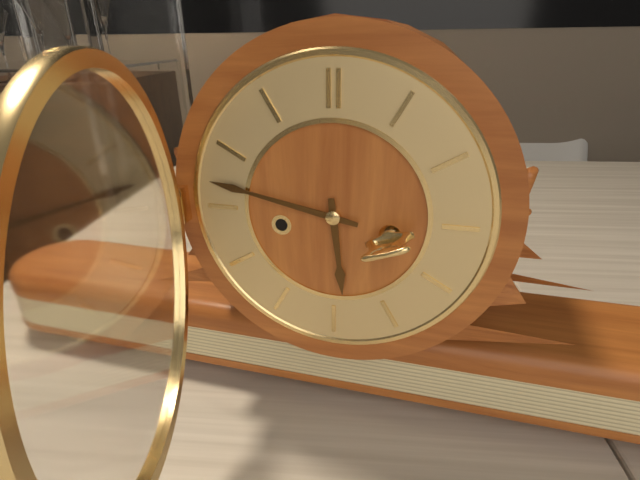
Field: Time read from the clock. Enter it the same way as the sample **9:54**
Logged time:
**5:47**
